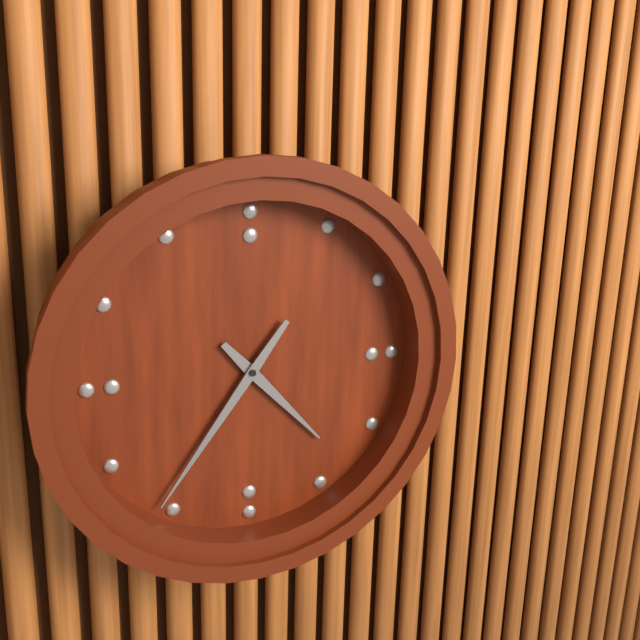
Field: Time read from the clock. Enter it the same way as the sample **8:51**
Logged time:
**4:36**
